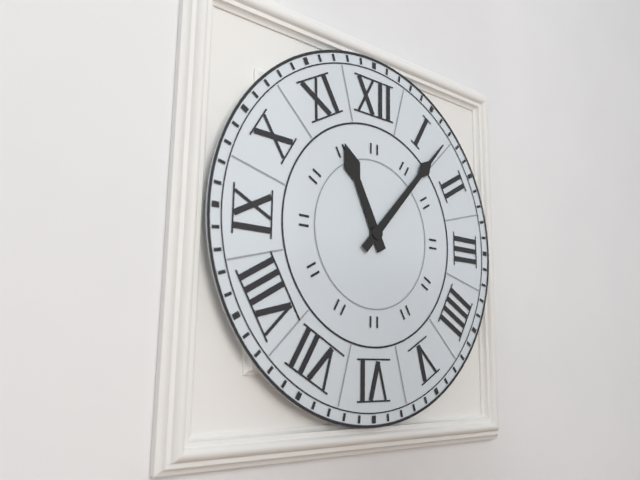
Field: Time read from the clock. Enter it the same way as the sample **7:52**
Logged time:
**11:07**
